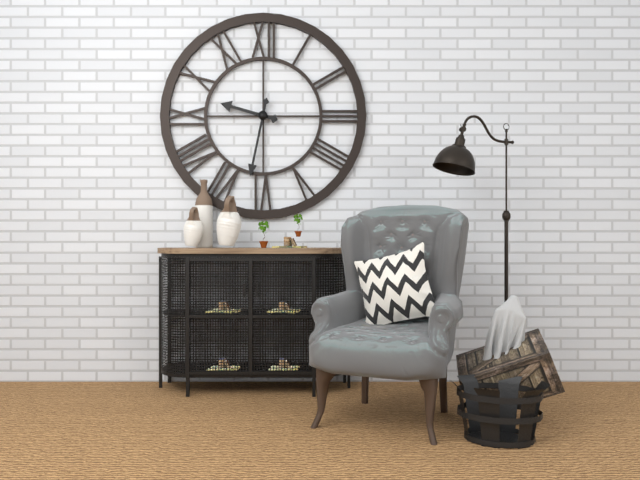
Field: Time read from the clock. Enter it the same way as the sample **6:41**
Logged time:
**9:32**
